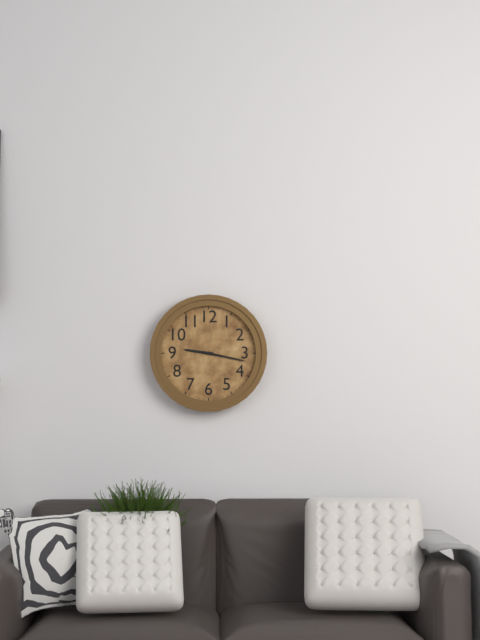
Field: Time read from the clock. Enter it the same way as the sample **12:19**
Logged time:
**9:17**
